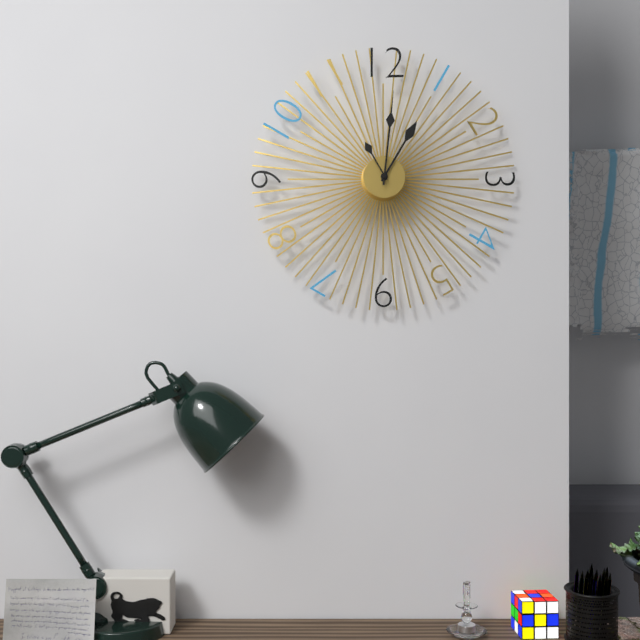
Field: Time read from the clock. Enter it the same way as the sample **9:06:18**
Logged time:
**1:01:55**
